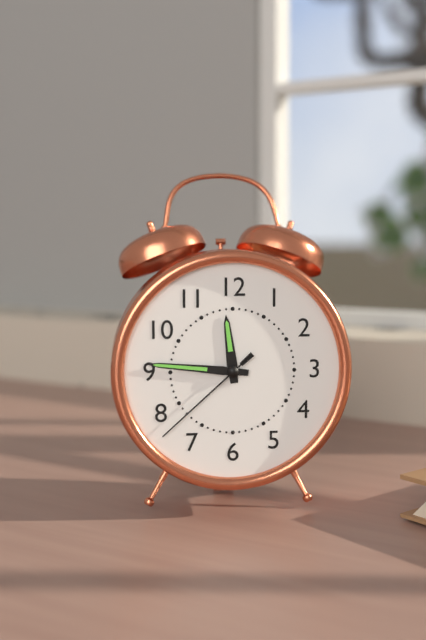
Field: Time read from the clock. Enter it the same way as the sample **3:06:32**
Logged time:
**11:46:38**
